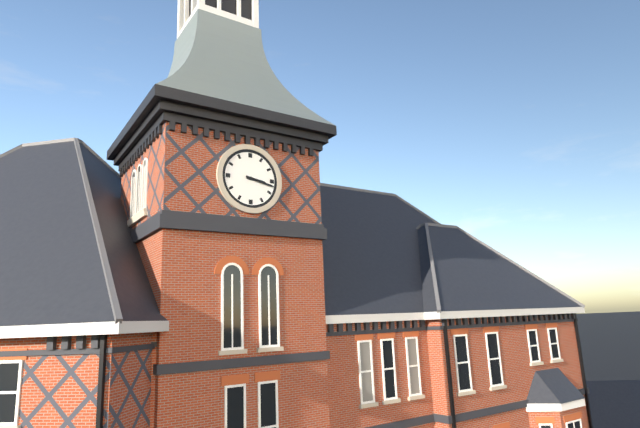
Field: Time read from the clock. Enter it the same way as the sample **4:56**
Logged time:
**3:17**
